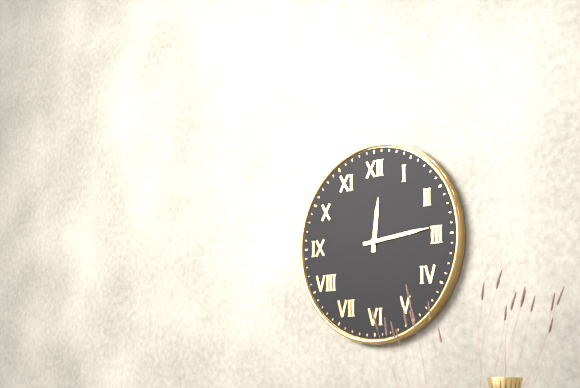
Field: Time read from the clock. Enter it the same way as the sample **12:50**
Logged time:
**12:14**
